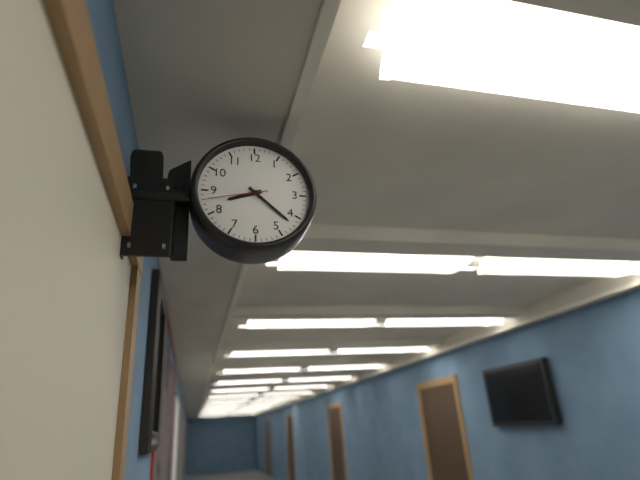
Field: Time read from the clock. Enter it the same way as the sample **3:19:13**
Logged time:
**8:22:43**
